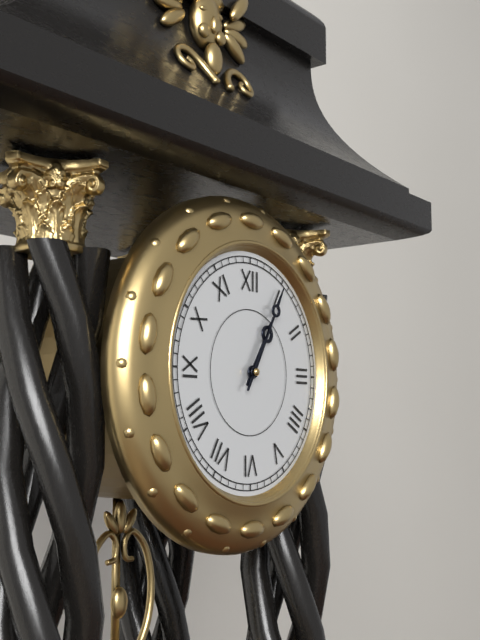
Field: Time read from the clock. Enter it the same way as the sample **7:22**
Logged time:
**1:05**
